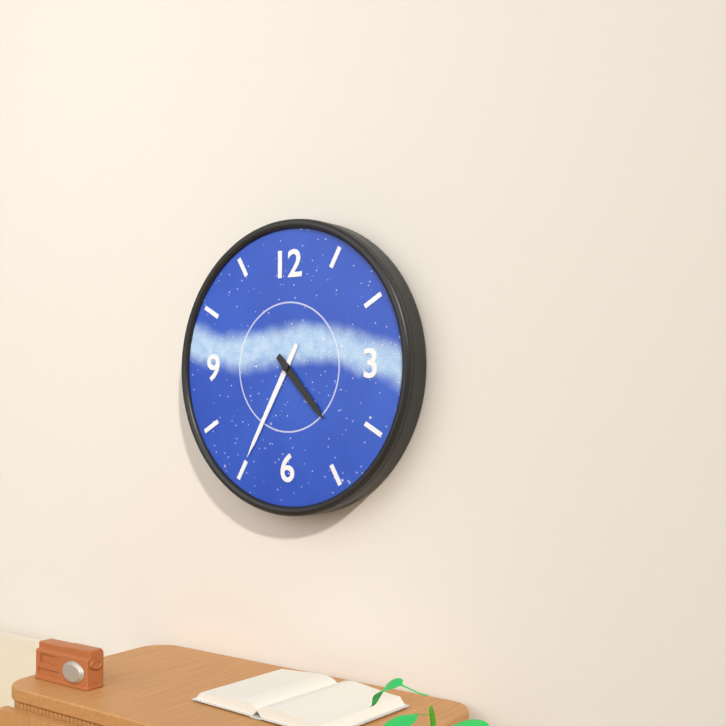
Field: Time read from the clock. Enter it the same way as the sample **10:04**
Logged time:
**4:35**
